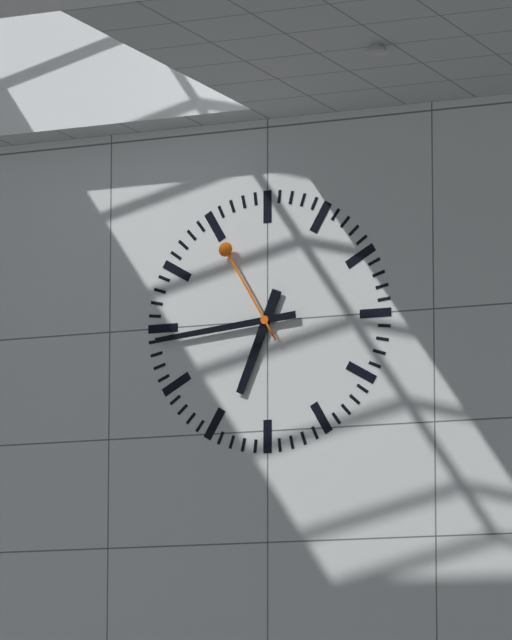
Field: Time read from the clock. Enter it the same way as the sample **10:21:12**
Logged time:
**6:44:55**
